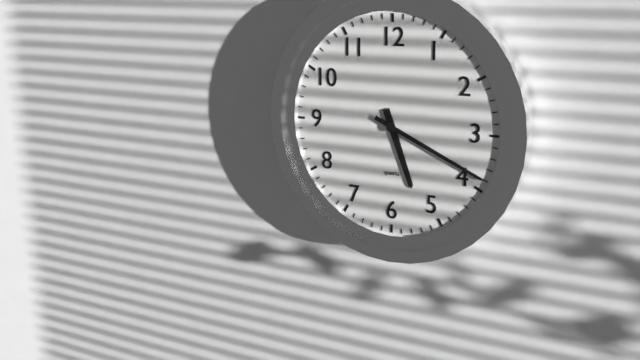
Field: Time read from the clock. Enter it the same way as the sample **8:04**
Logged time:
**5:19**
